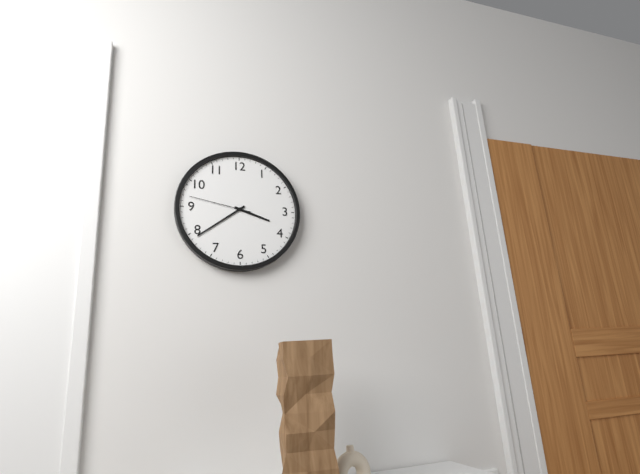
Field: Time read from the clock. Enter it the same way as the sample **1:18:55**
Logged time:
**3:39:47**
